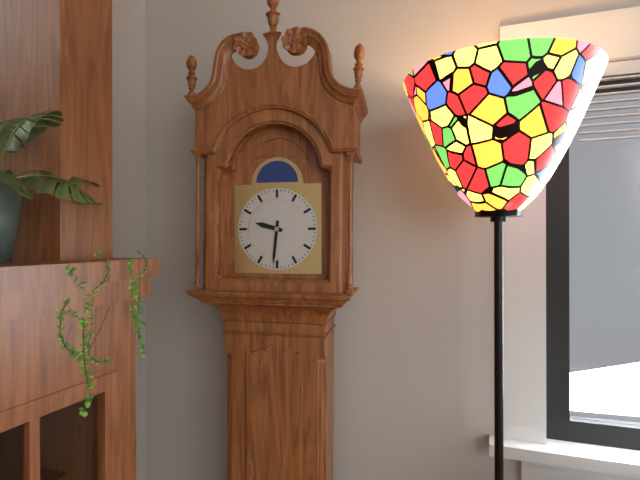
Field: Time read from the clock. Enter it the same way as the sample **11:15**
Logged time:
**9:31**
